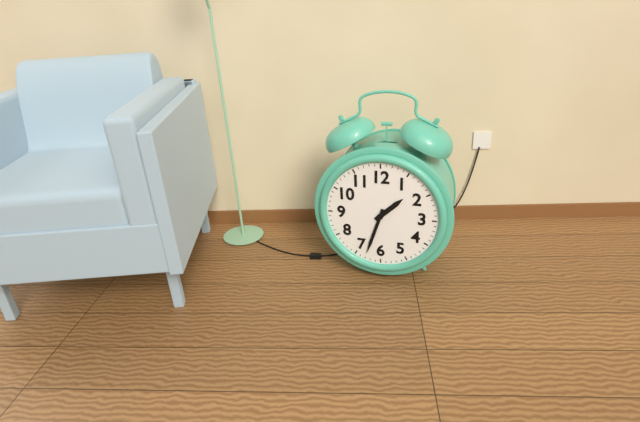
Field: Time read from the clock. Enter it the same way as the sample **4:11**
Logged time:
**1:33**
